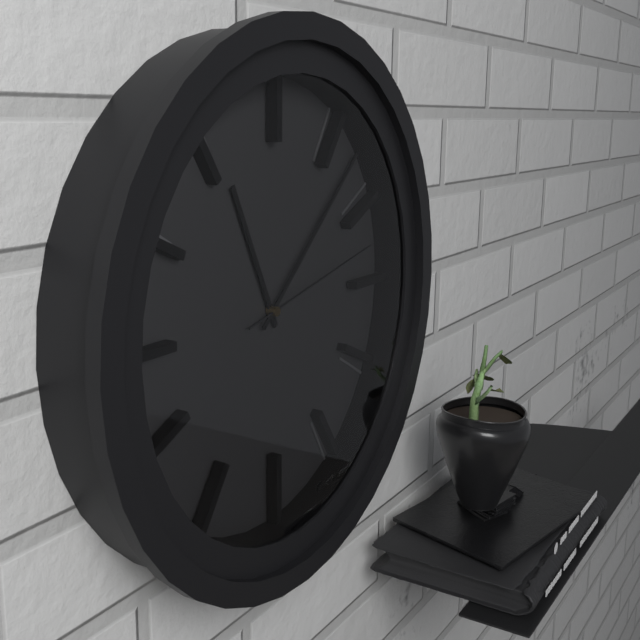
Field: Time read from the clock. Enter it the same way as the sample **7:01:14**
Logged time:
**11:08:13**
